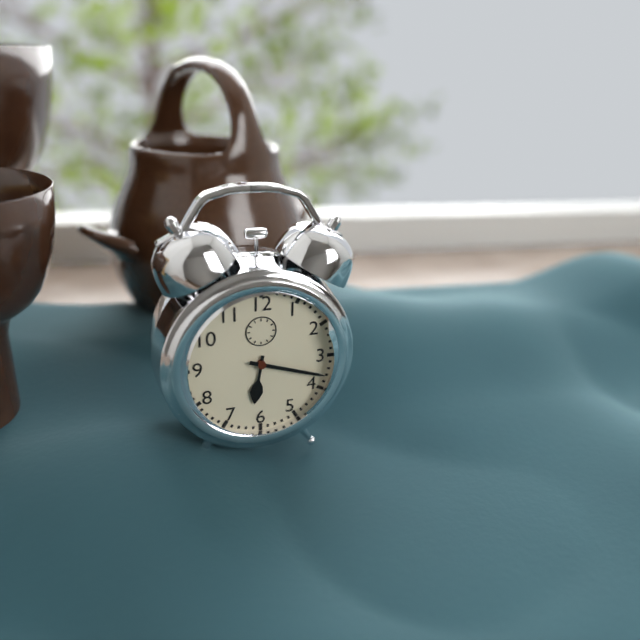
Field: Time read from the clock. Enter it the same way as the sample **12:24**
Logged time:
**6:18**
